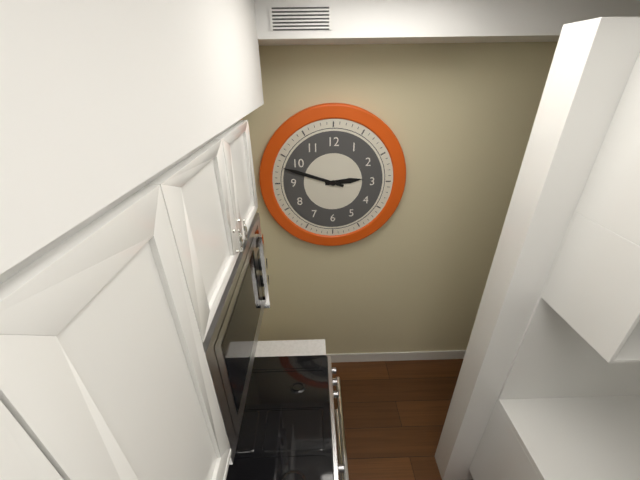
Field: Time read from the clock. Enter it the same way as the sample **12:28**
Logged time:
**2:48**
